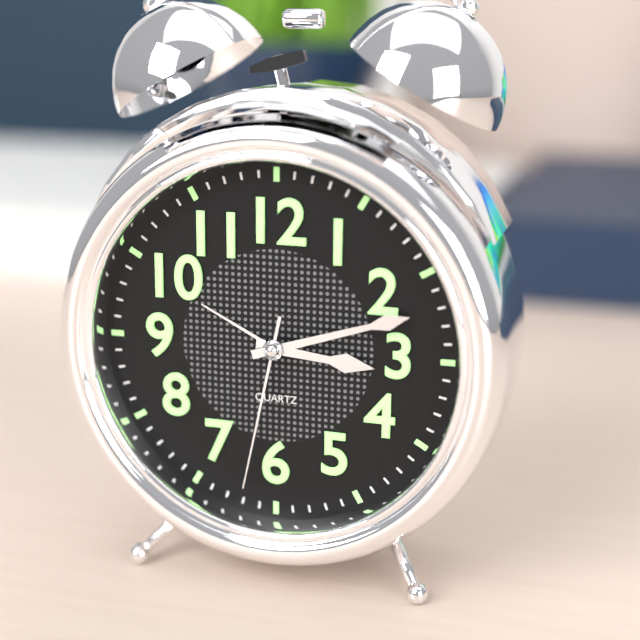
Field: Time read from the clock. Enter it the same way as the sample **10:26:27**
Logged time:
**3:12:32**
